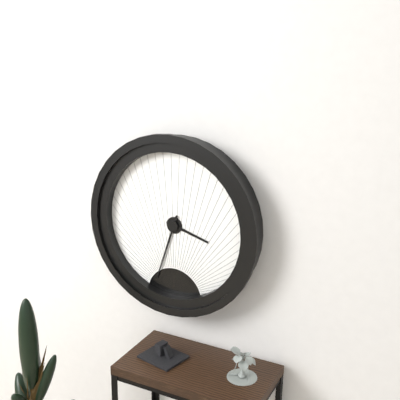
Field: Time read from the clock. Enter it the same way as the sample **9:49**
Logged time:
**3:33**
